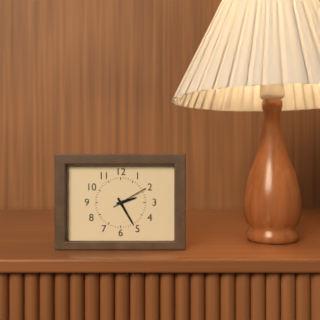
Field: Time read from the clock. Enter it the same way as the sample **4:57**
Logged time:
**2:25**
